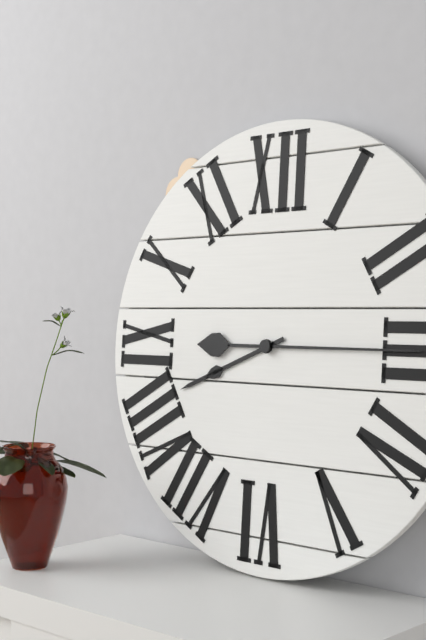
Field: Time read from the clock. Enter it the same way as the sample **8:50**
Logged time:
**8:15**
